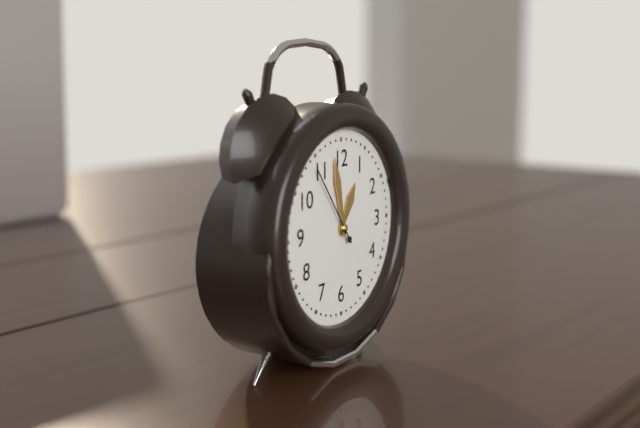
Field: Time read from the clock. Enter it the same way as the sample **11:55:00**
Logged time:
**12:58:54**
